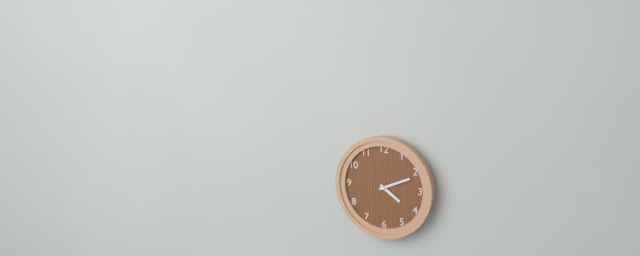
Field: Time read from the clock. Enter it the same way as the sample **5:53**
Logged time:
**4:11**
